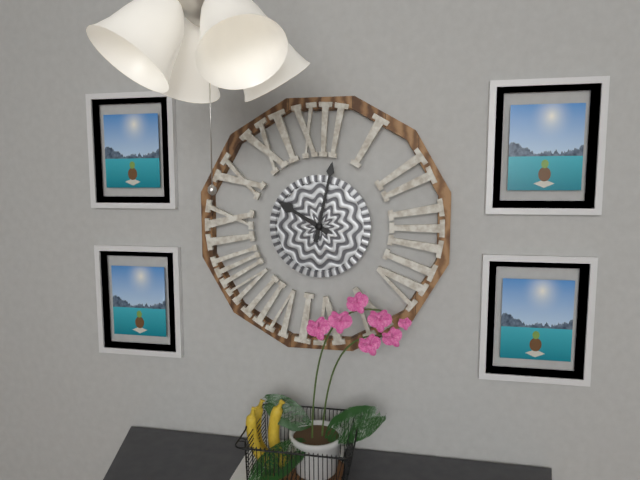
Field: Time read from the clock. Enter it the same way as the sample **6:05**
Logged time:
**10:02**
